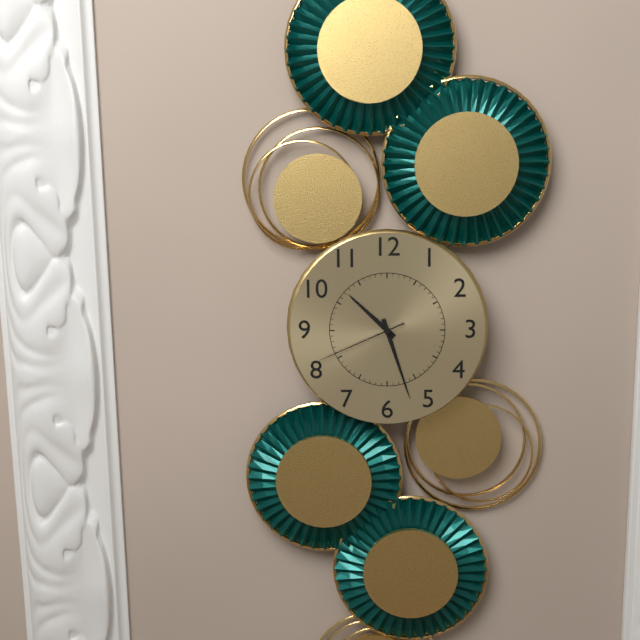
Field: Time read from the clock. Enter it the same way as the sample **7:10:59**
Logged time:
**10:27:41**
